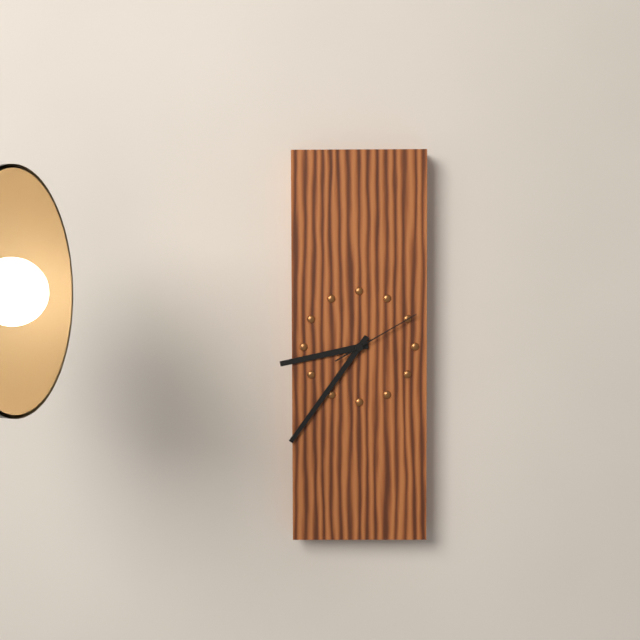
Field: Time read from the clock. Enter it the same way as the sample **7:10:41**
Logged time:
**8:36:10**
